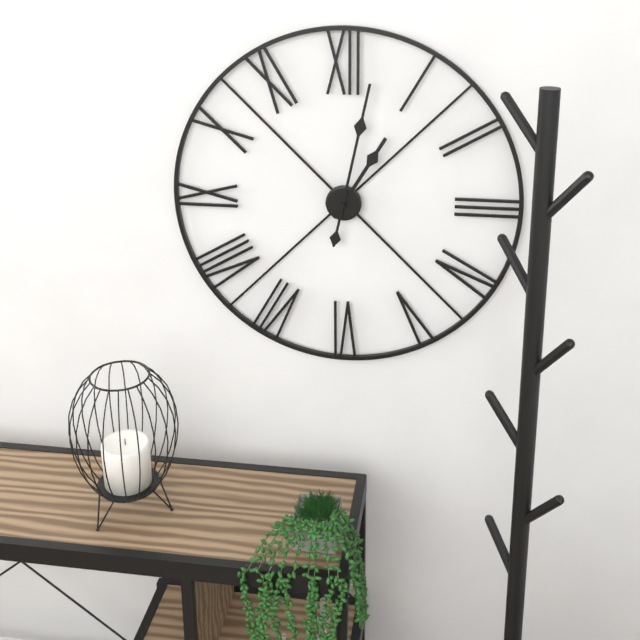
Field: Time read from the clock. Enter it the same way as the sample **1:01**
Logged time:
**1:02**
